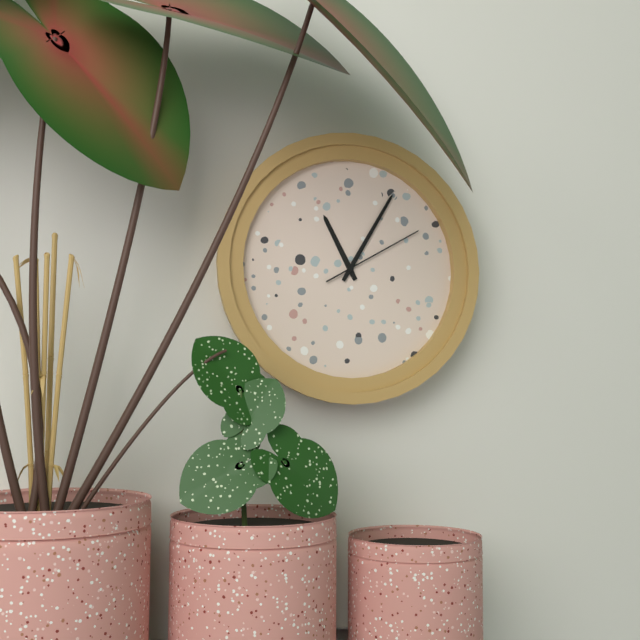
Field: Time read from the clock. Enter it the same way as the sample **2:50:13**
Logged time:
**11:05:10**
